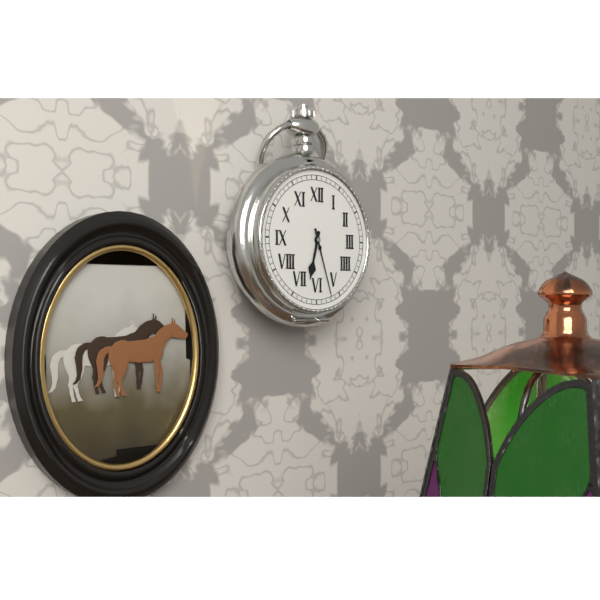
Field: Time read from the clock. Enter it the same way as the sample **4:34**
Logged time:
**6:27**
